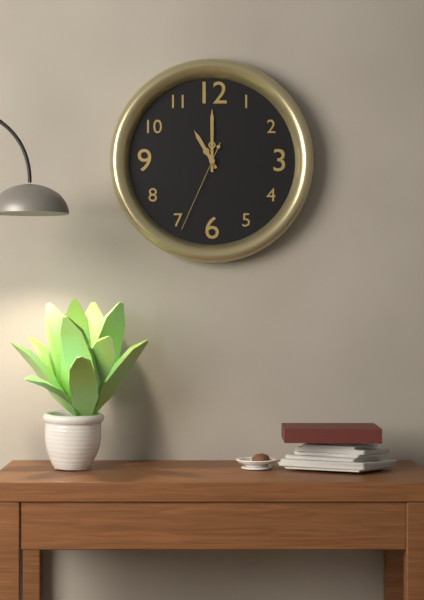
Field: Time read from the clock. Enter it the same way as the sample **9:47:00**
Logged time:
**11:00:34**
